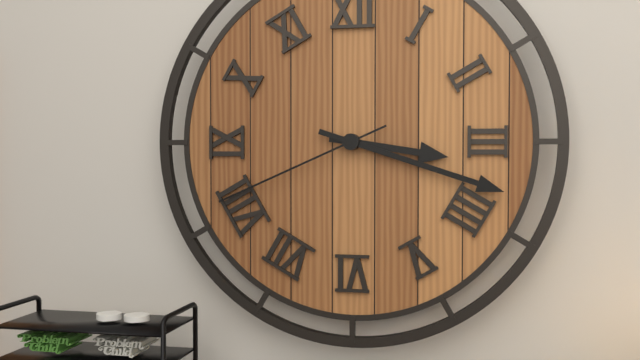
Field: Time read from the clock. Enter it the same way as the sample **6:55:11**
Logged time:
**3:18:41**
